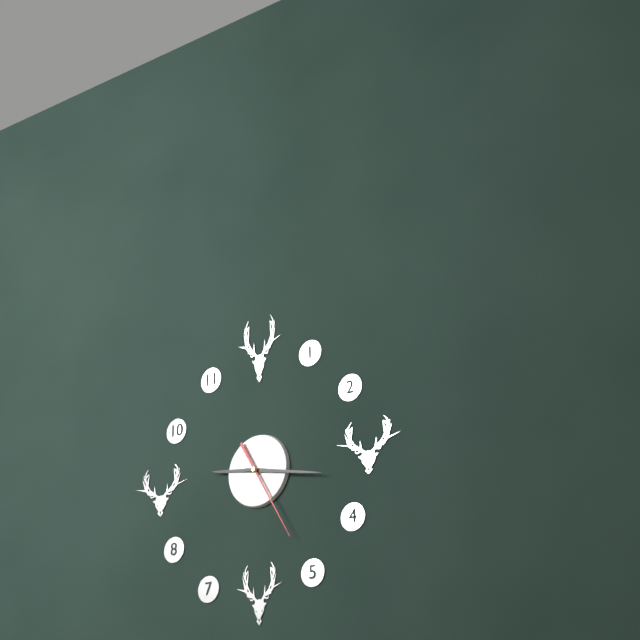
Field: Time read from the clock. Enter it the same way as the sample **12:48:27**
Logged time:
**9:17:25**
